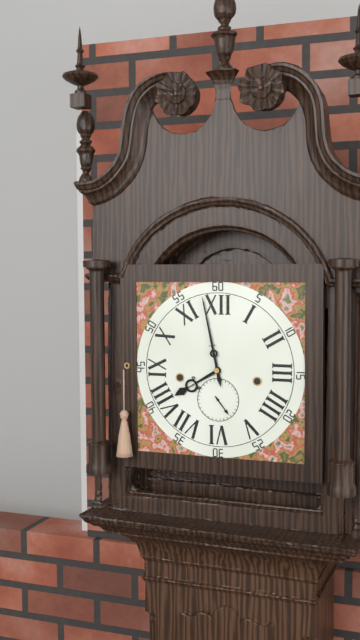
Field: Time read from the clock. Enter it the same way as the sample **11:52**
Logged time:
**7:58**
